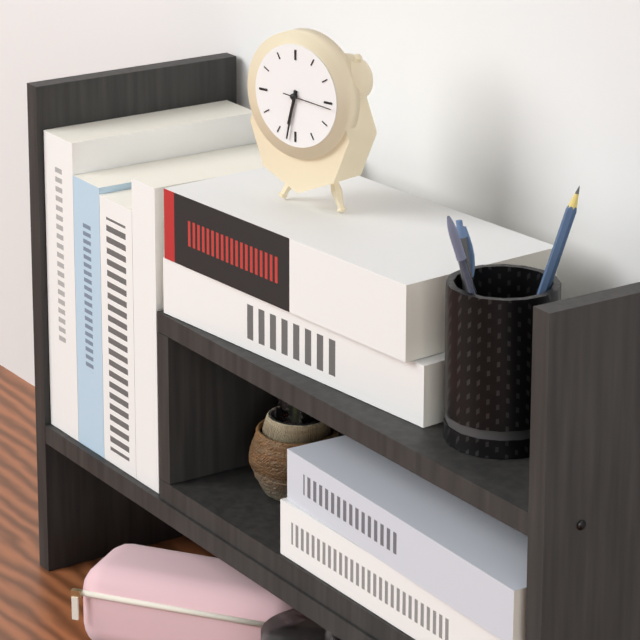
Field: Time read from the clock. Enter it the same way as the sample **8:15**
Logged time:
**6:32**
